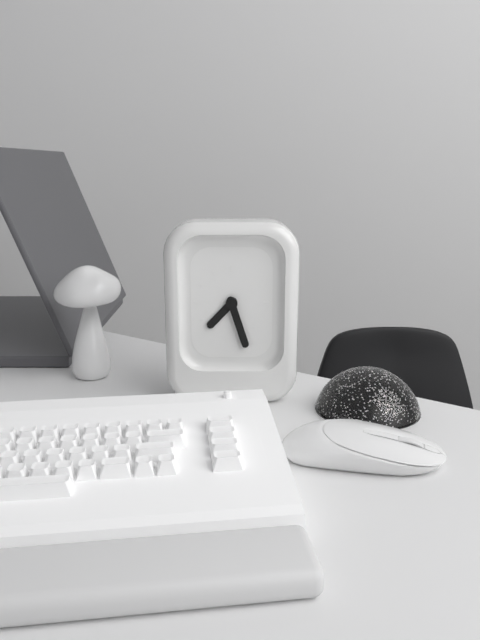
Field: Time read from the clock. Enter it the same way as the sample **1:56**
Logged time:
**7:27**
